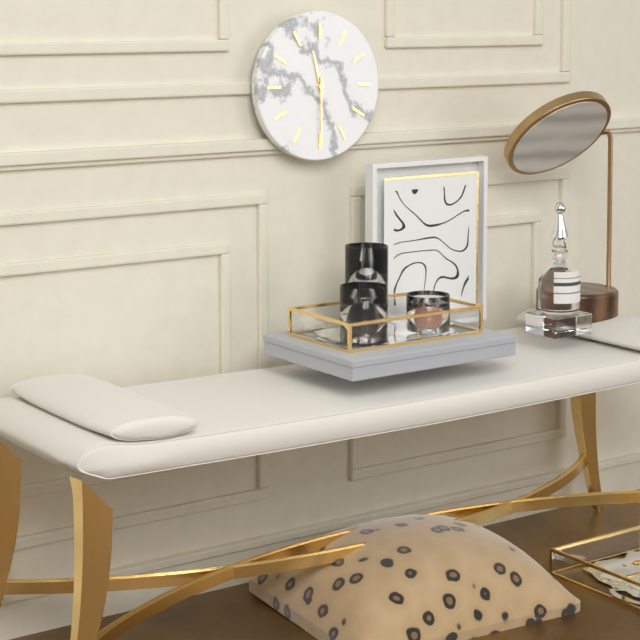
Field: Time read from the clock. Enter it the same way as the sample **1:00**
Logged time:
**11:30**
